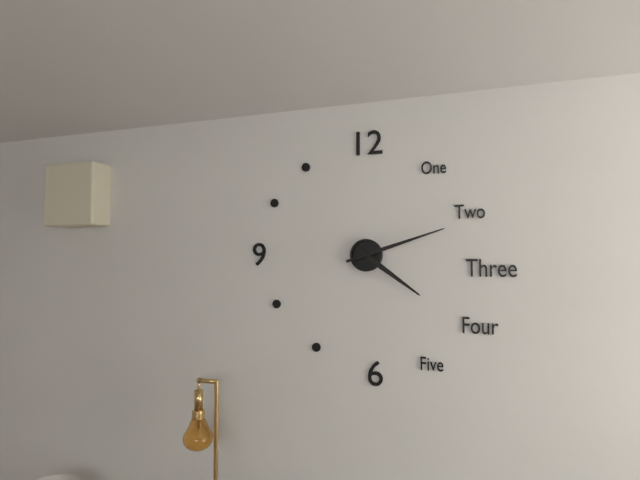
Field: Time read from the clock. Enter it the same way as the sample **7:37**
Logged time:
**4:12**
